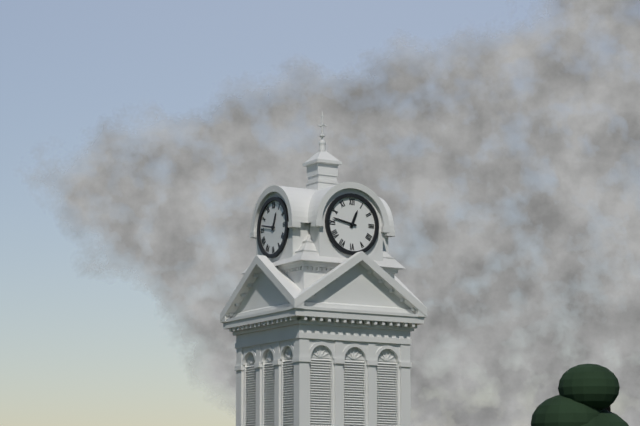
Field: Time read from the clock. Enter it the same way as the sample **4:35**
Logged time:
**12:47**
